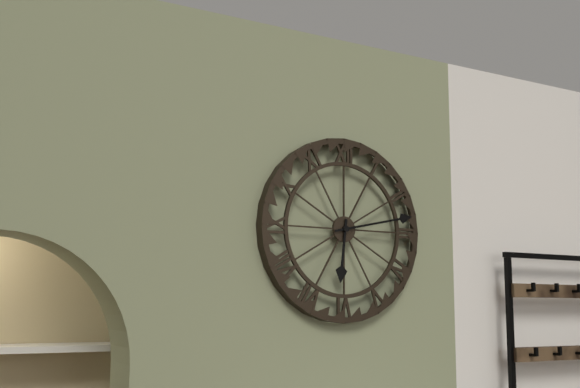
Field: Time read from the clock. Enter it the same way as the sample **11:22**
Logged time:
**6:13**
